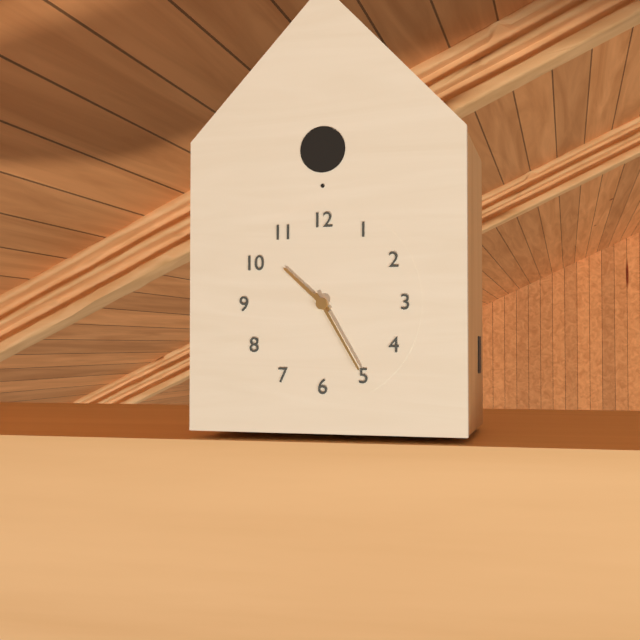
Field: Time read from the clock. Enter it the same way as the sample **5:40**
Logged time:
**10:25**
